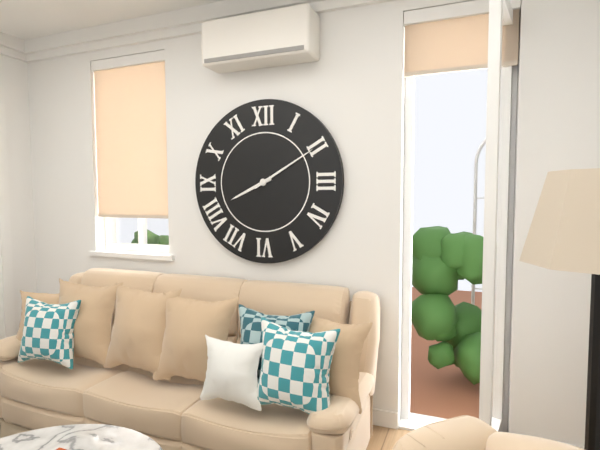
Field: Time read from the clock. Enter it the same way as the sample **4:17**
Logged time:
**8:10**
